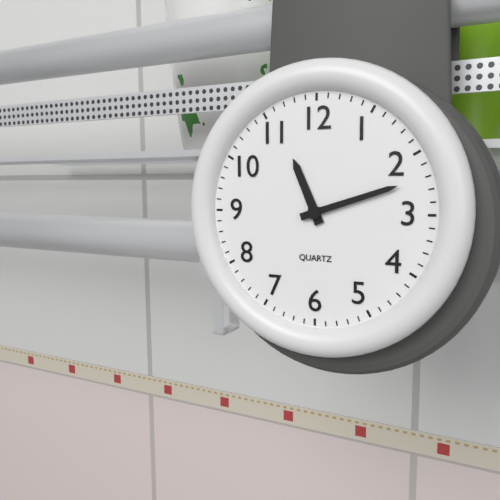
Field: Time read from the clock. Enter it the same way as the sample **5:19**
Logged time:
**11:12**
